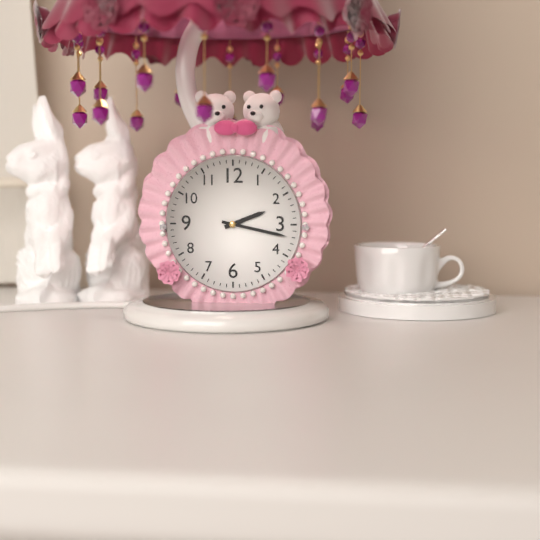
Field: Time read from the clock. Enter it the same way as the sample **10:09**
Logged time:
**2:17**
